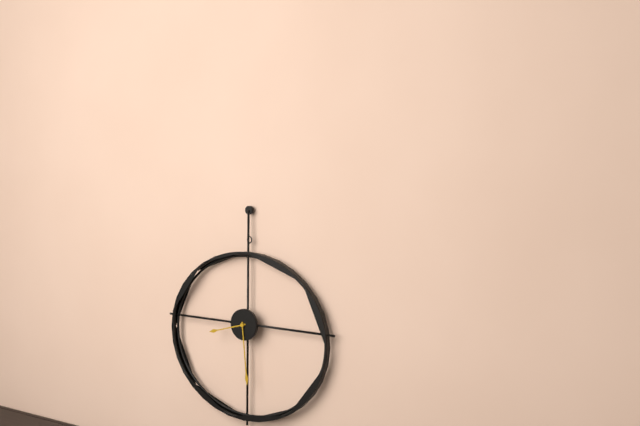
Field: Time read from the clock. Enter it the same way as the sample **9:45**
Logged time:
**8:29**
